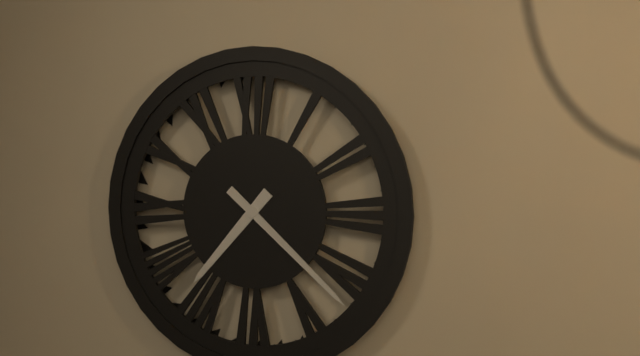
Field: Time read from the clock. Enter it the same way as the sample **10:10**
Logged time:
**7:22**
